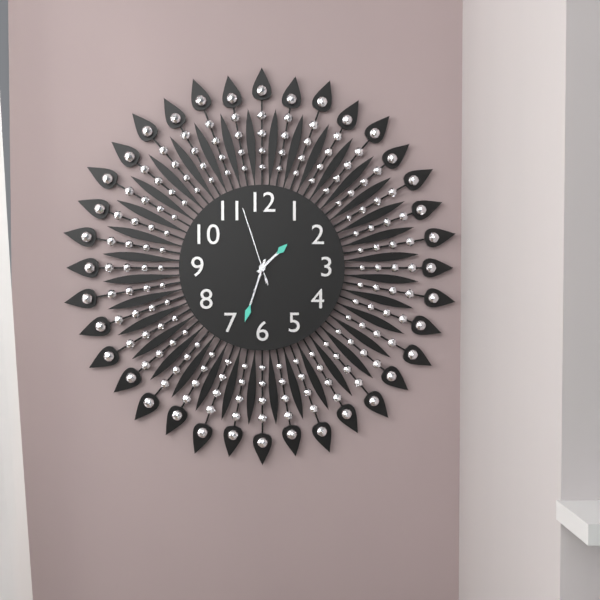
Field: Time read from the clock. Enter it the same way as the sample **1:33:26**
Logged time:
**1:33:57**
